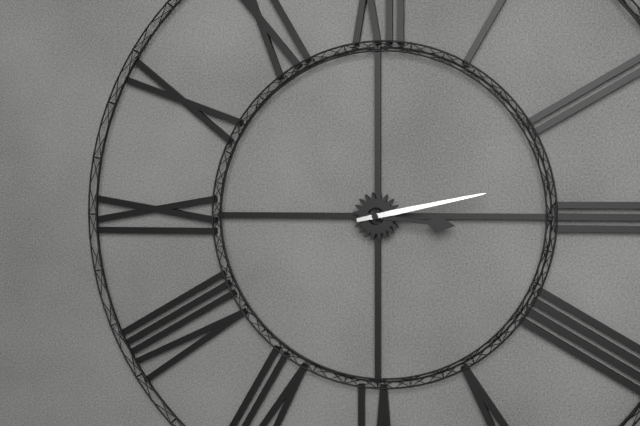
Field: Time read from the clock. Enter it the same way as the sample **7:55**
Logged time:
**3:13**
